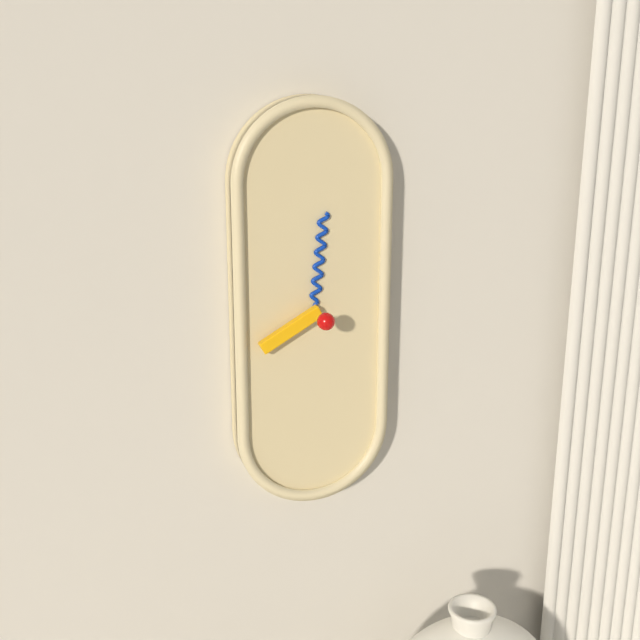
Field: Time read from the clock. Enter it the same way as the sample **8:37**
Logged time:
**8:01**
